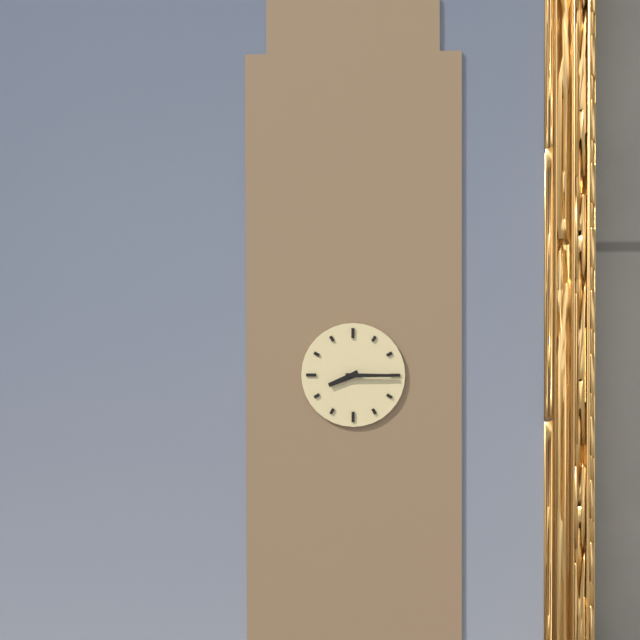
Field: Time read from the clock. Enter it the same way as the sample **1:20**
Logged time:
**8:15**
